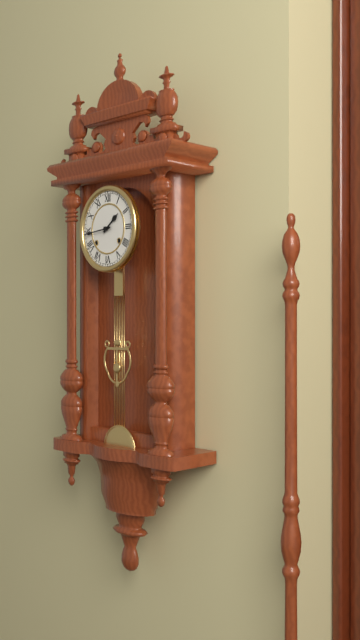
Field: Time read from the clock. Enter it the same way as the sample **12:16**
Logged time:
**1:44**
